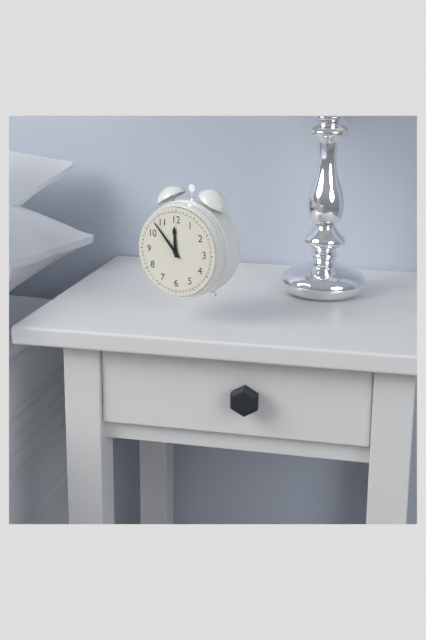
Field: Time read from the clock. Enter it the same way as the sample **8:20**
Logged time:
**11:53**
